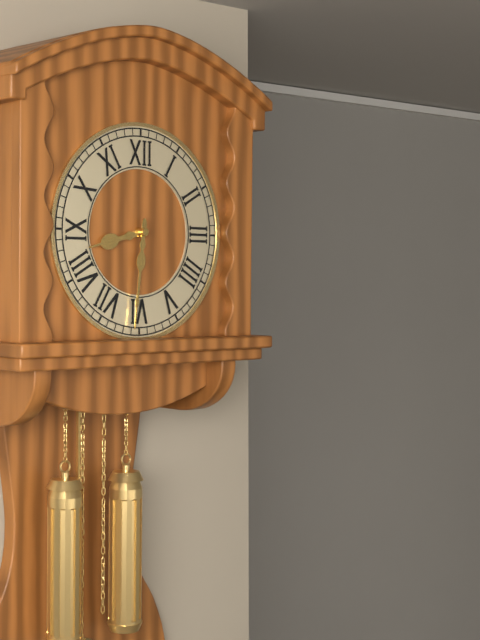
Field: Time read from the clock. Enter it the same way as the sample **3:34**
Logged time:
**8:31**
